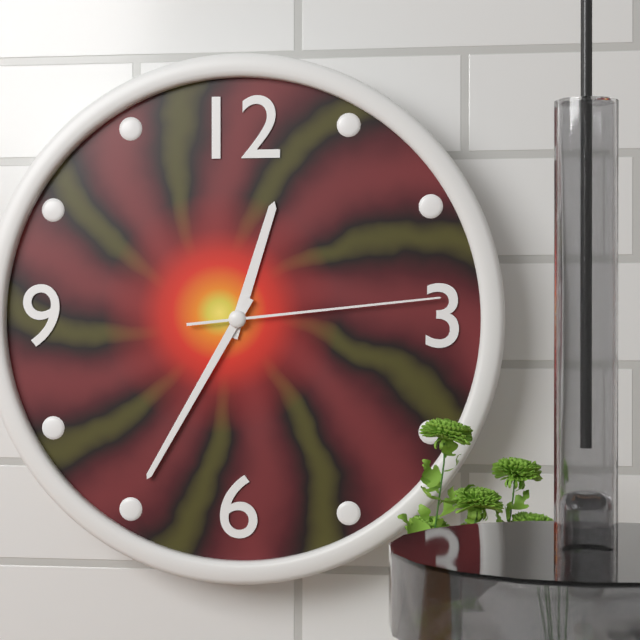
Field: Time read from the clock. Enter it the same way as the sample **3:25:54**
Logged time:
**12:35:14**
